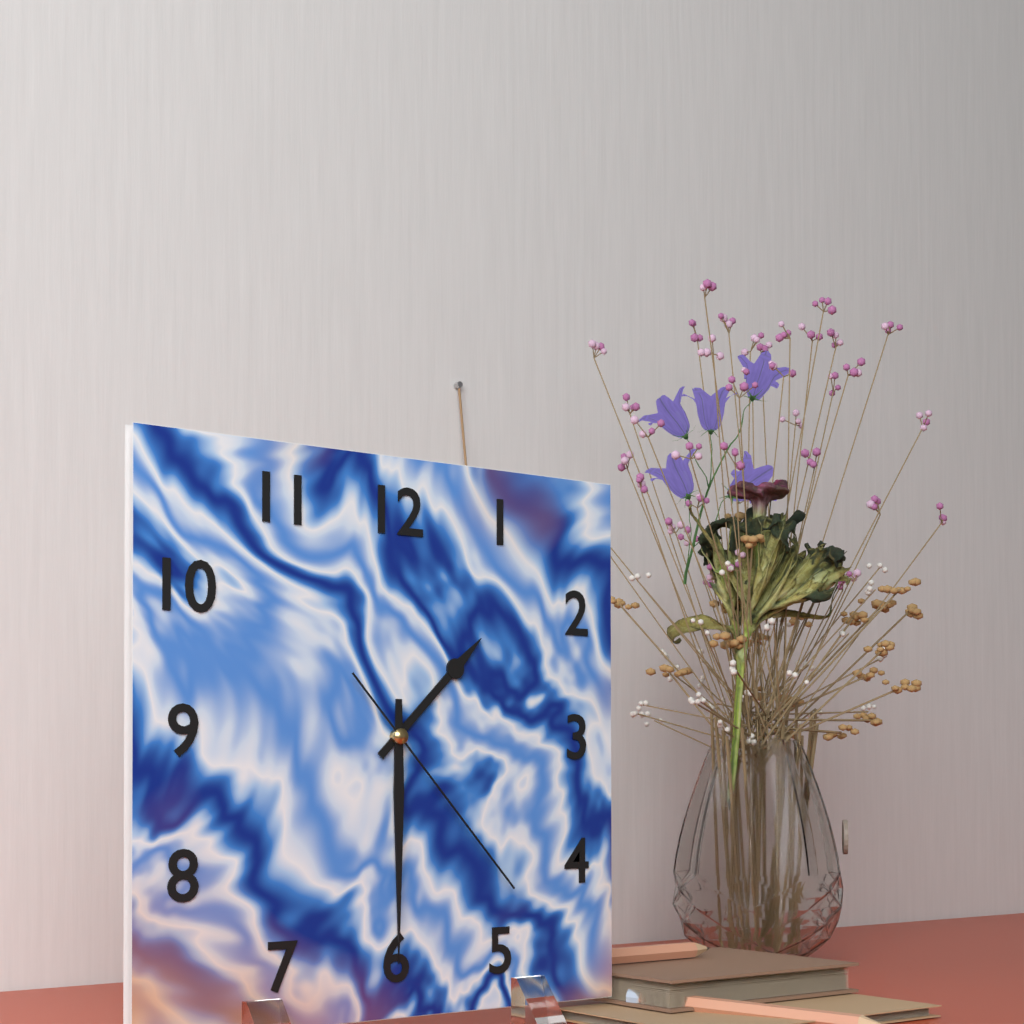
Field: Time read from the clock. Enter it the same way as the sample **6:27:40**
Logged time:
**1:30:23**
